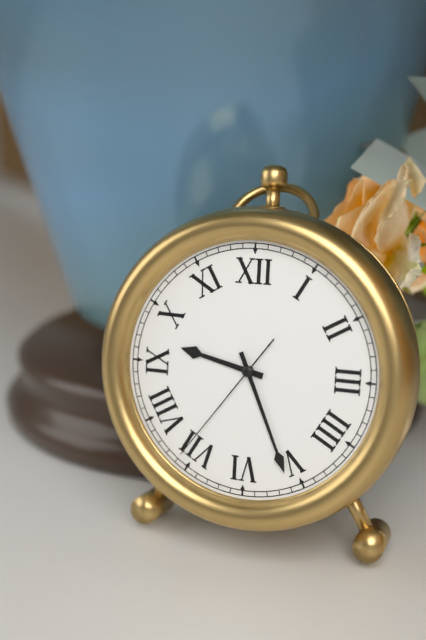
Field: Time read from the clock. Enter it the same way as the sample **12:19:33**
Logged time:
**9:26:36**
